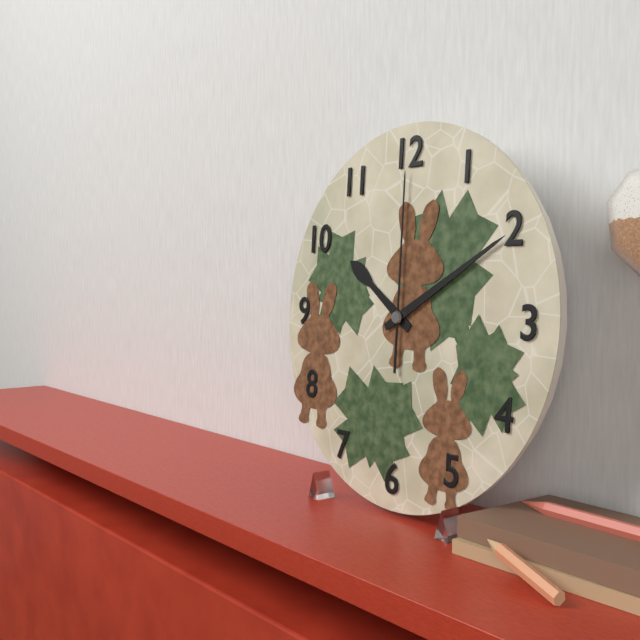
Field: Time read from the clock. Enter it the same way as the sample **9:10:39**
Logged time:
**10:10:00**
